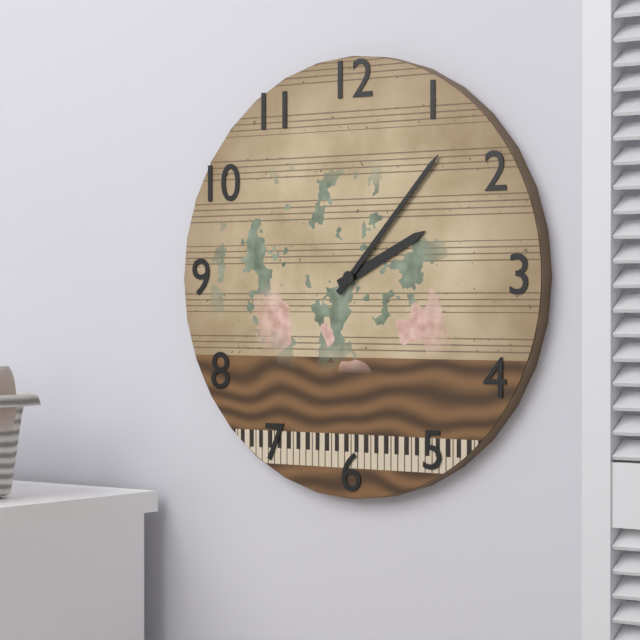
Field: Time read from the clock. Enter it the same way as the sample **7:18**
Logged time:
**2:07**
